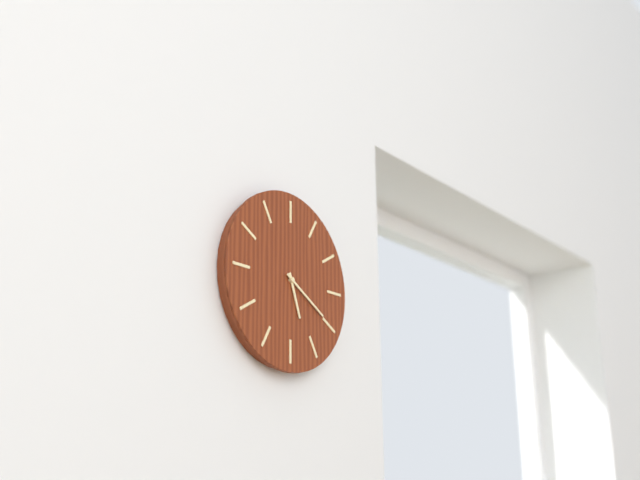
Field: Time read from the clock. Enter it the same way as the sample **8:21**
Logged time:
**5:20**
